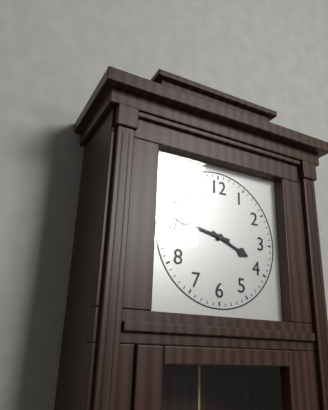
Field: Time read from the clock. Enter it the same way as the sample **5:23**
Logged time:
**3:47**
